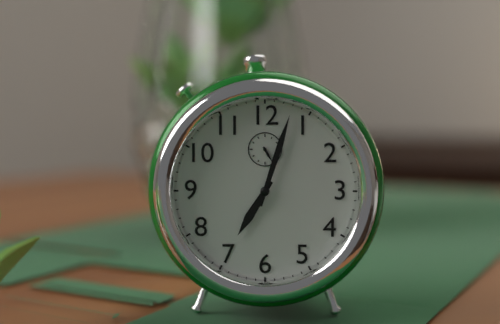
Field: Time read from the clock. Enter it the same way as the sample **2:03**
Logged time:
**7:03**
